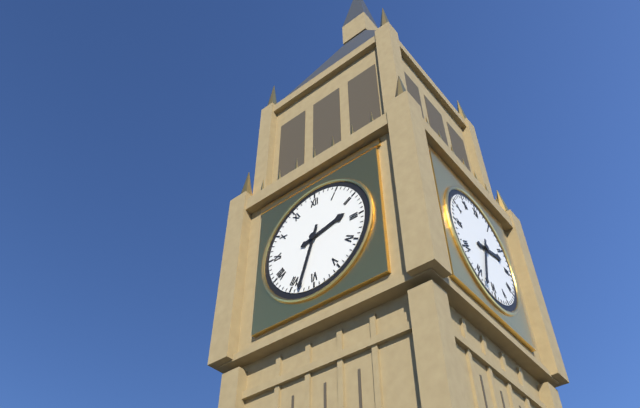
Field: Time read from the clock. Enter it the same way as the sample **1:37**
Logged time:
**2:33**
